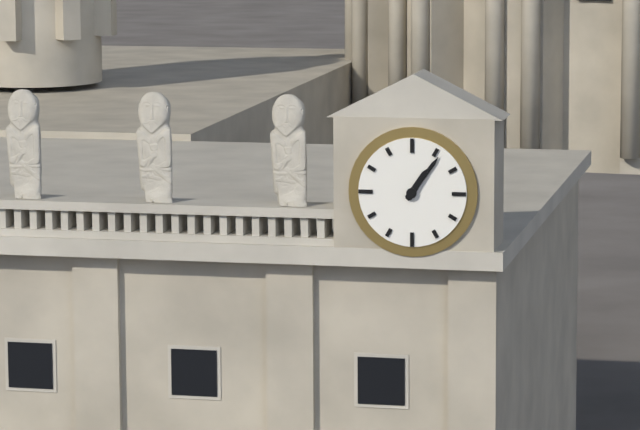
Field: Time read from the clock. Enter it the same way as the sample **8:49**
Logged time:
**1:06**
